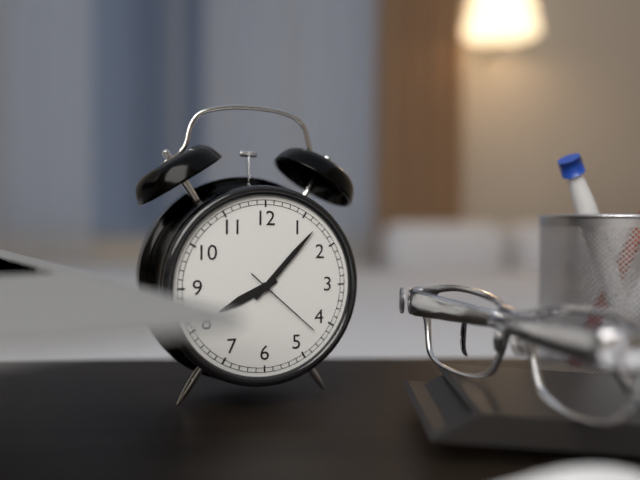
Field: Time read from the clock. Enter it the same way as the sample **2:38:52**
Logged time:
**8:07:22**
